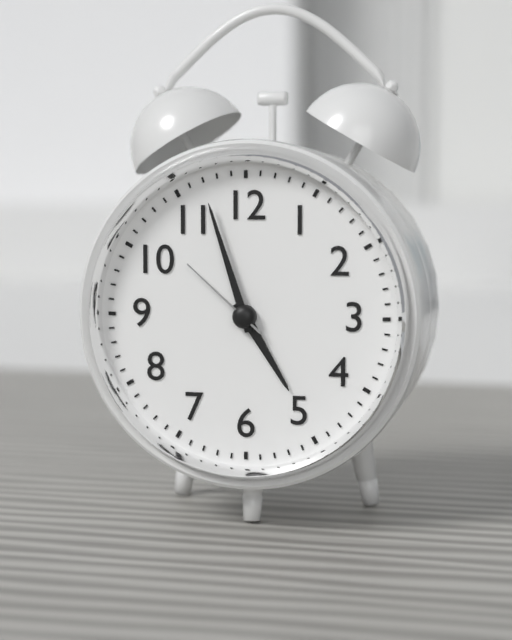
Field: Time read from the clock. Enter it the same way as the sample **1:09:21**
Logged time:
**4:57:52**
